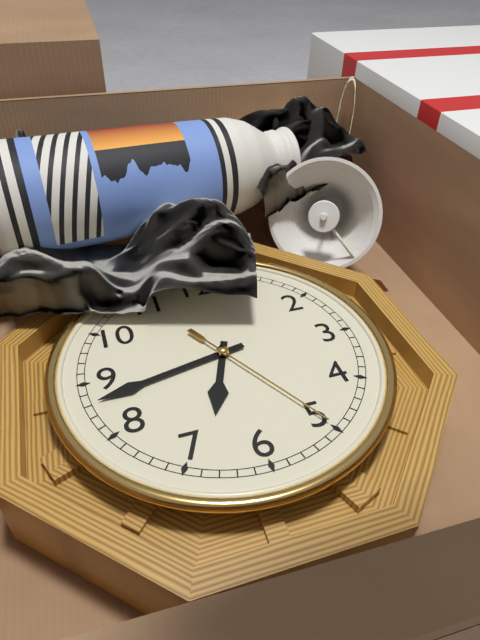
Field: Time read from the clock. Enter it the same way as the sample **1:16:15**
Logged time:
**6:43:25**
